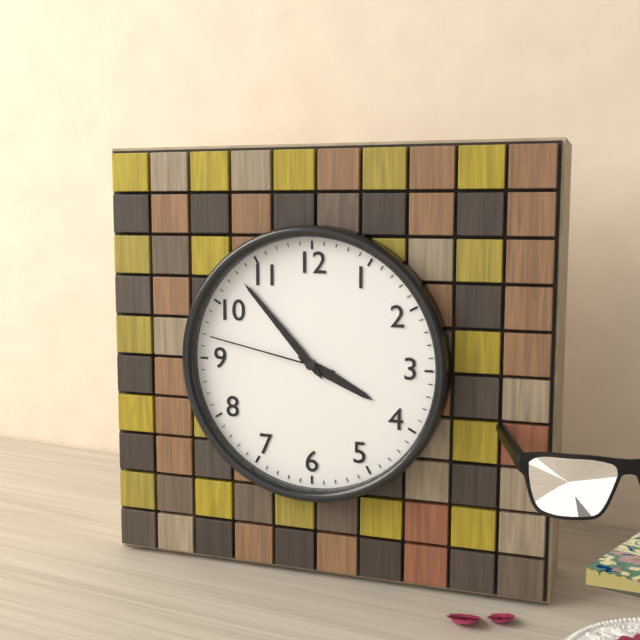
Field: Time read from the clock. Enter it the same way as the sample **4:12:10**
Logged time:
**3:53:47**
